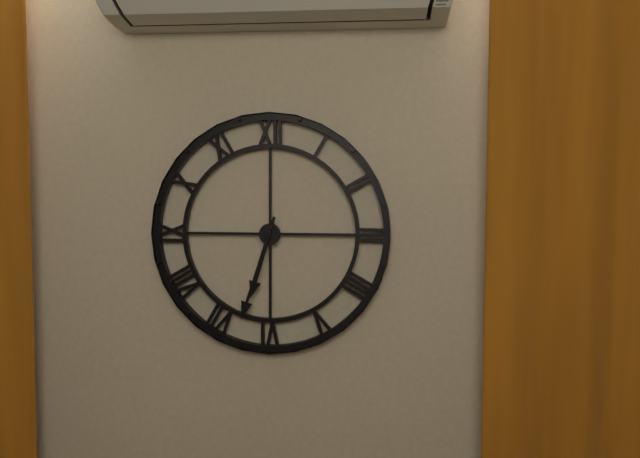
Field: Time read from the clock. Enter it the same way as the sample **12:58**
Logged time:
**6:33**
